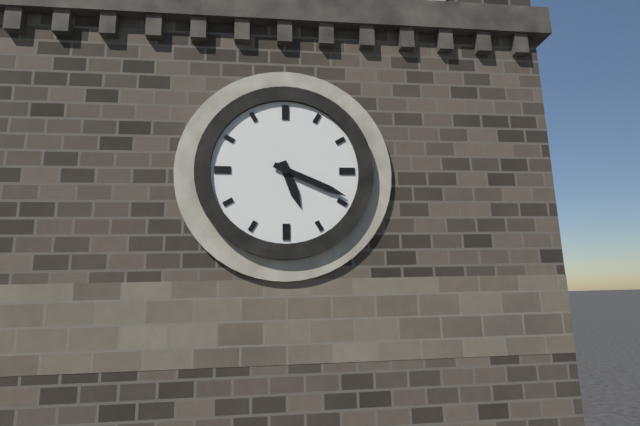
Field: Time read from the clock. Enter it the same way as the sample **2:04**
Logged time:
**5:19**
